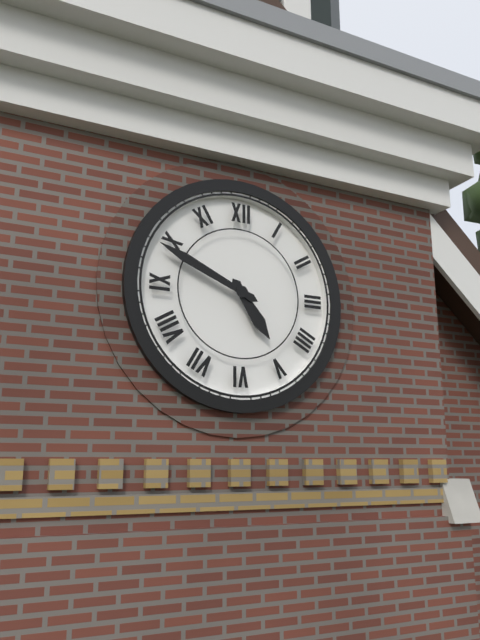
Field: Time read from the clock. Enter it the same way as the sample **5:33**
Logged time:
**4:49**
